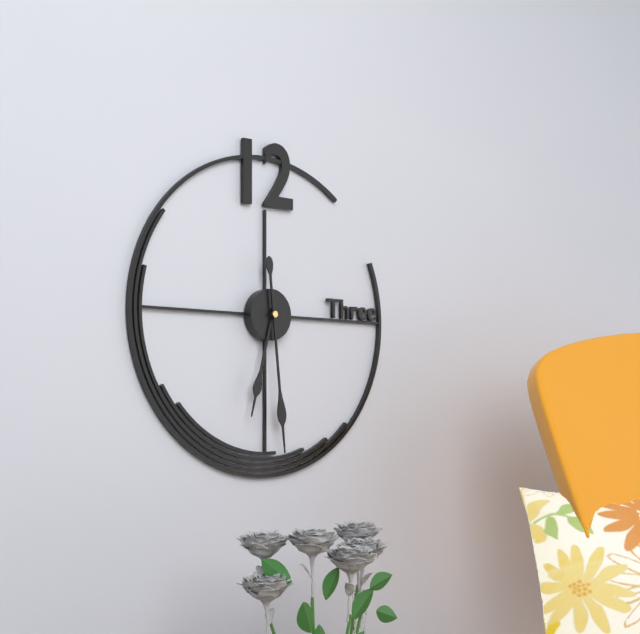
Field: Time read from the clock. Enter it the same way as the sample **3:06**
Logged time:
**6:29**
